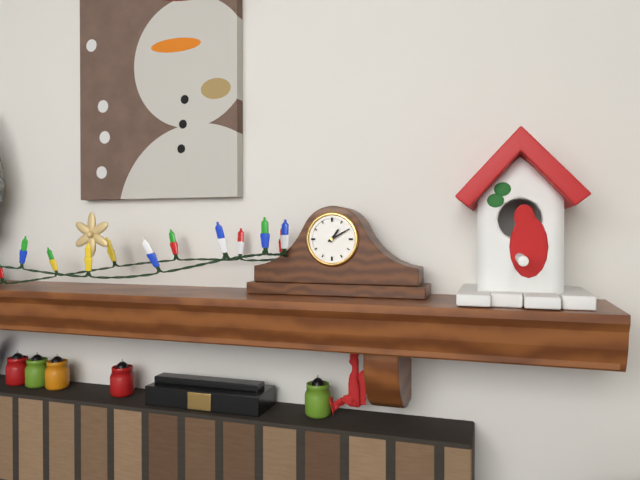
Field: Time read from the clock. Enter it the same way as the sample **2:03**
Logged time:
**1:10**
